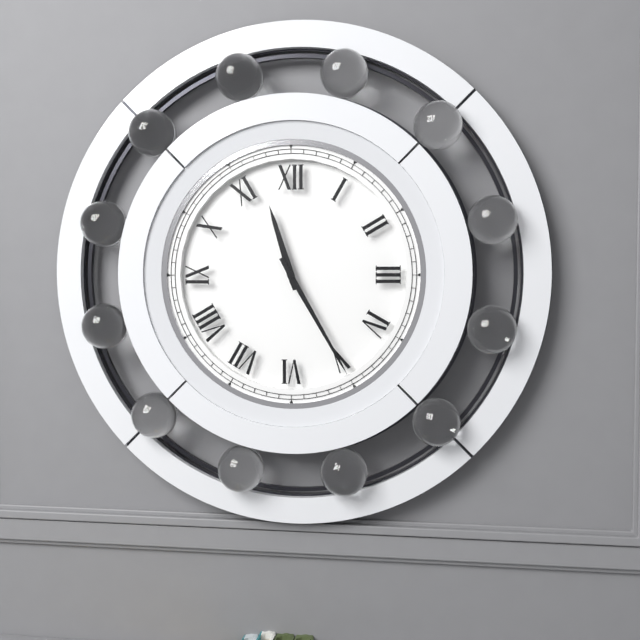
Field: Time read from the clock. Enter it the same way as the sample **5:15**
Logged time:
**11:25**
